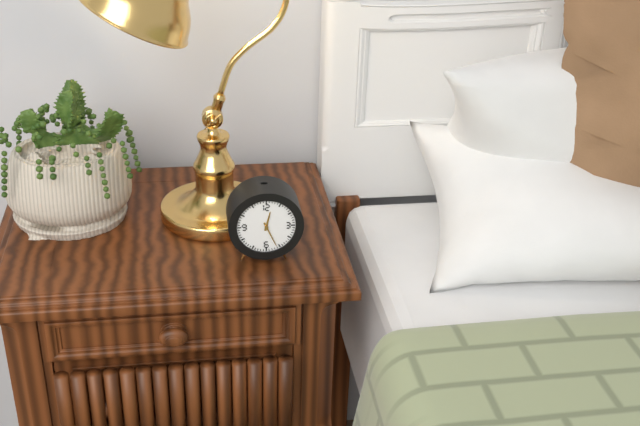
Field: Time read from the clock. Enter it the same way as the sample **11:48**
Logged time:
**12:26**
